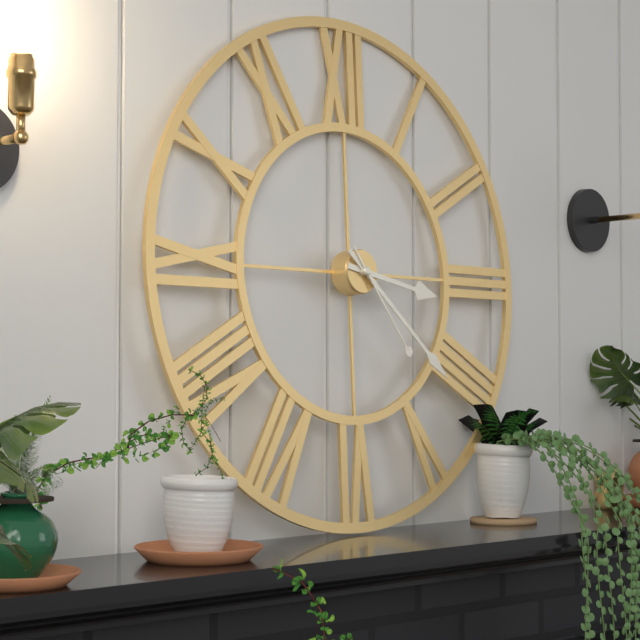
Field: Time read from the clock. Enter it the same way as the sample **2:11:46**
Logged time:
**3:22:24**
